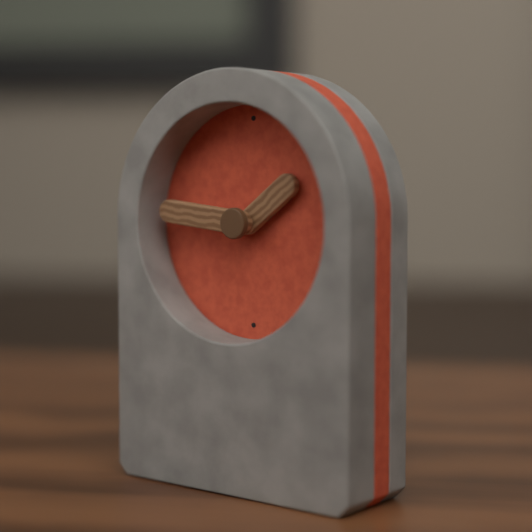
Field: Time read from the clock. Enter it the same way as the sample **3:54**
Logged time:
**1:46**
